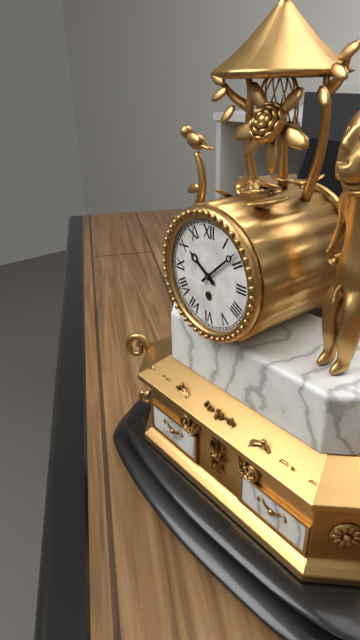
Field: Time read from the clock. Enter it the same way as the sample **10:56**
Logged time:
**10:08**
